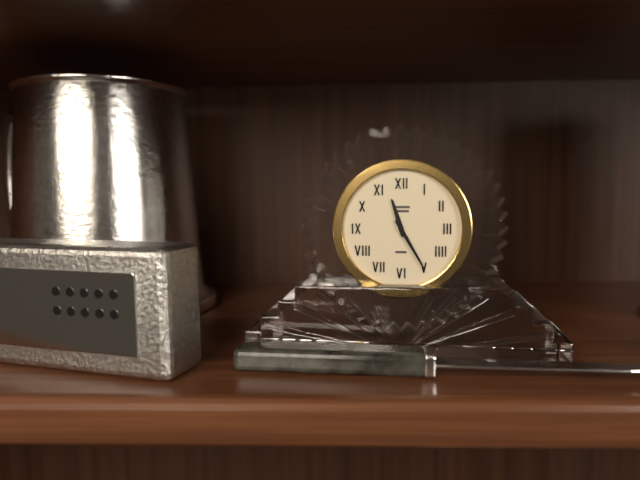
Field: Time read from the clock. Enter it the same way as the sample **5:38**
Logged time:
**11:25**
